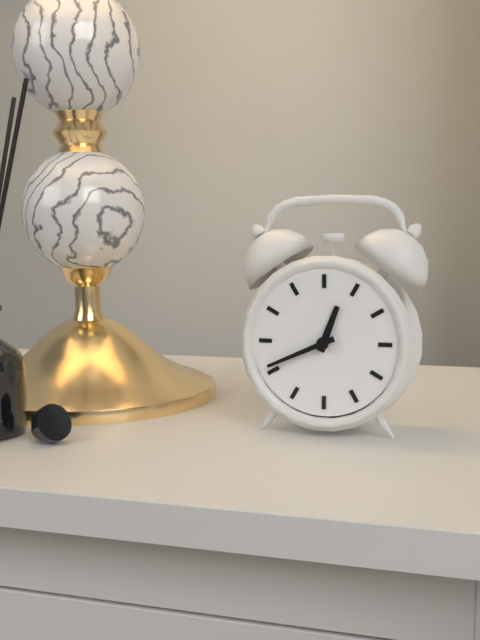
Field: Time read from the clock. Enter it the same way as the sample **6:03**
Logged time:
**12:41**
